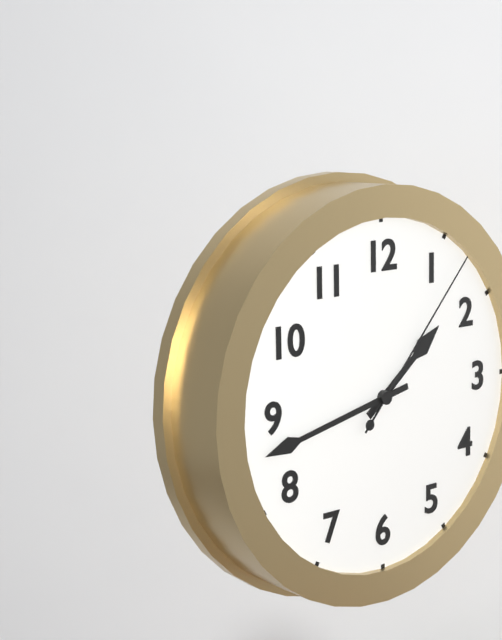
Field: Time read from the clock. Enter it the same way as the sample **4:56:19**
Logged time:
**1:43:07**
